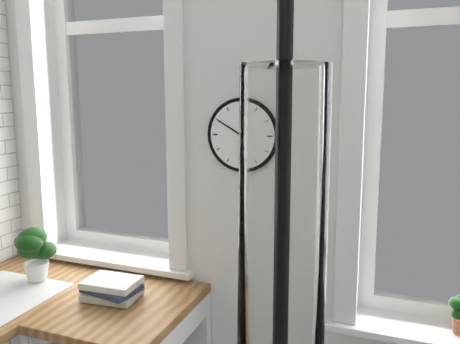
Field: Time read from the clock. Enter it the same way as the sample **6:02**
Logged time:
**5:50**
